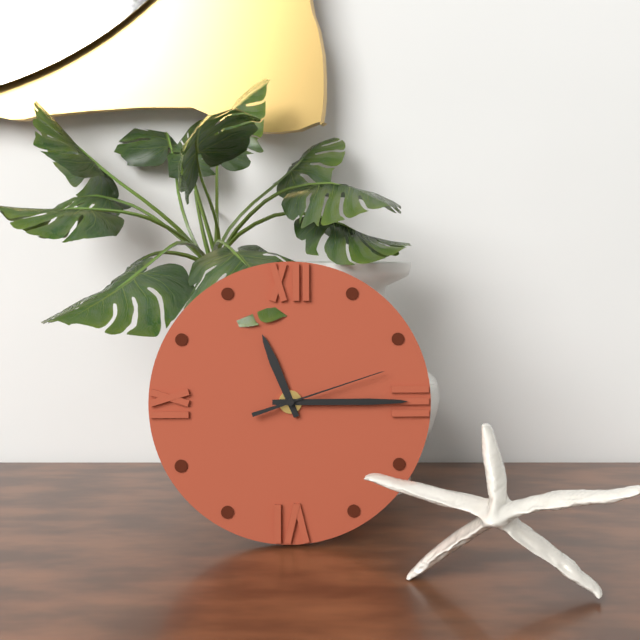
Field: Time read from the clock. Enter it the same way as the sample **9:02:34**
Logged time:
**11:15:12**
